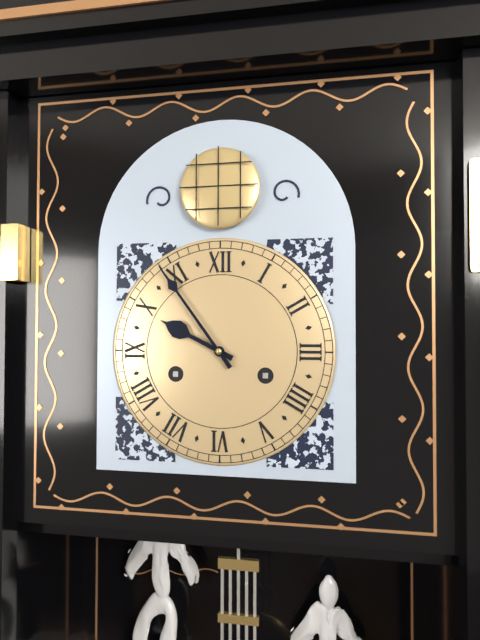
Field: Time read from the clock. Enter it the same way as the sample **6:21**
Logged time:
**9:54**
